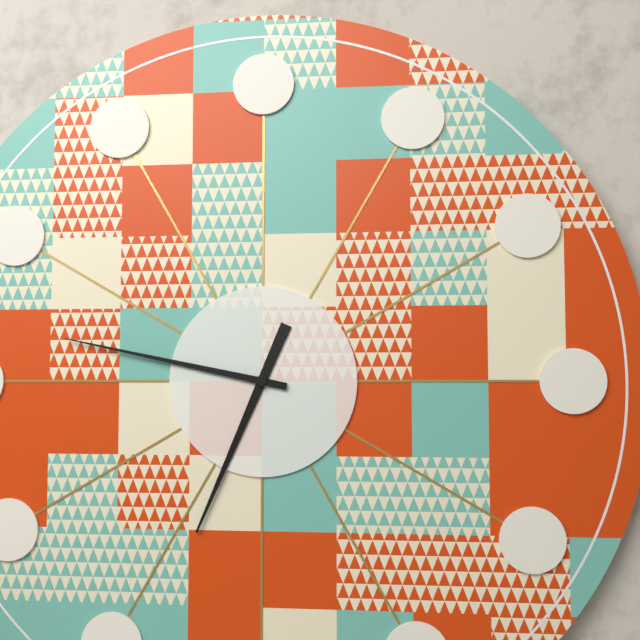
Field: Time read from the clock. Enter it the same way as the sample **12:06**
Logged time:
**6:47**
